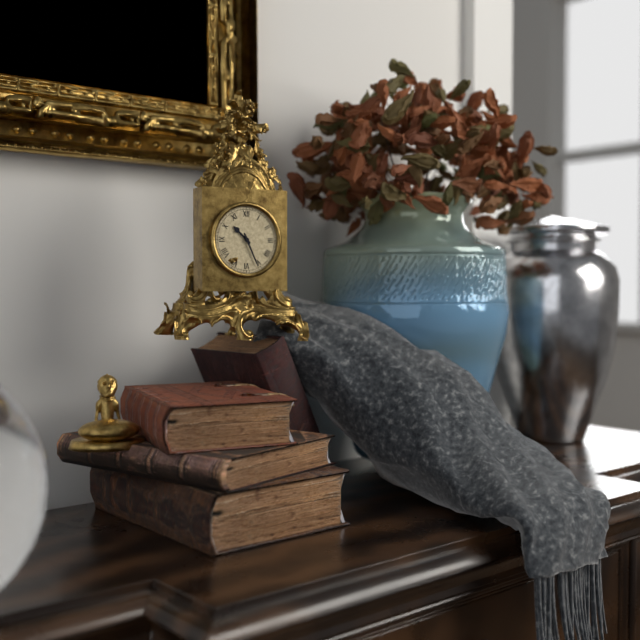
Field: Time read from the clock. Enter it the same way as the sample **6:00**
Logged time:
**10:26**
